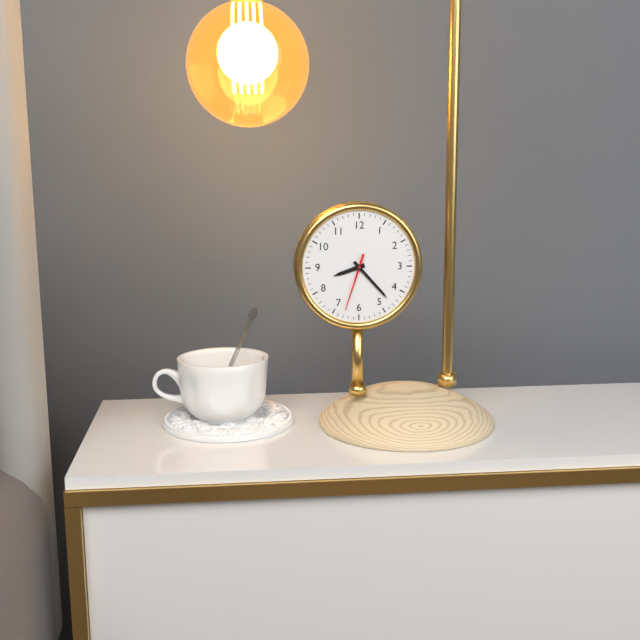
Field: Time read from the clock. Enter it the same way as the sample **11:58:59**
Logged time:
**8:23:33**
